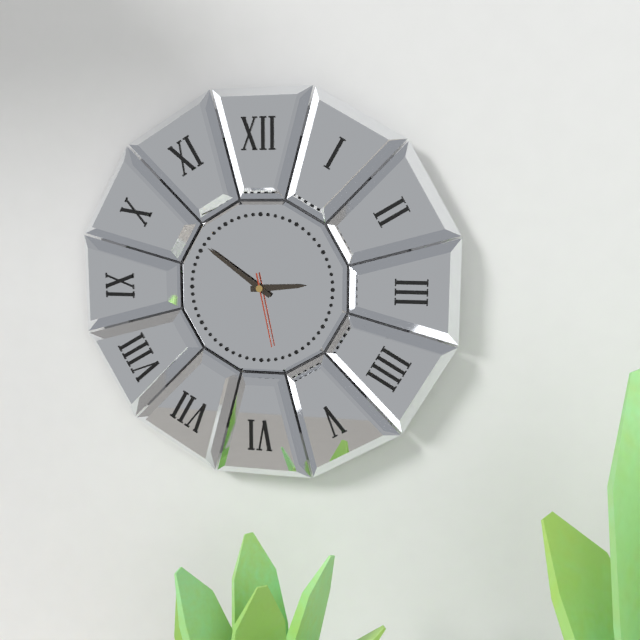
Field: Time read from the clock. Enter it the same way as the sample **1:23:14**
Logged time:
**2:51:28**
